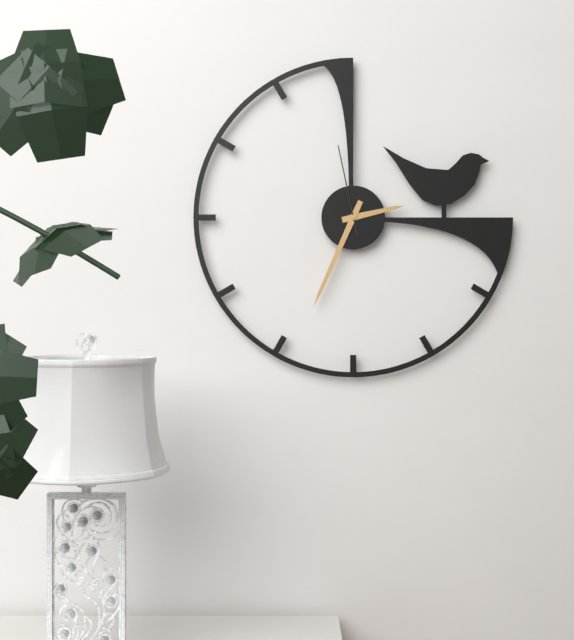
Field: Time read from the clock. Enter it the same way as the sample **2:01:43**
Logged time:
**2:34:58**
